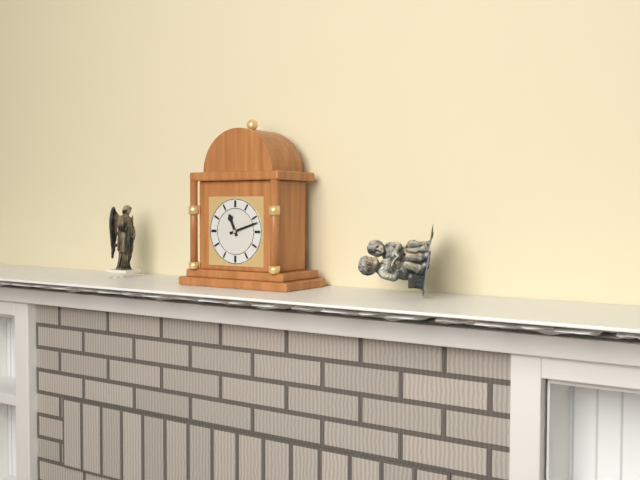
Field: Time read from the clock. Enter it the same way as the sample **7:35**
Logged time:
**11:12**
